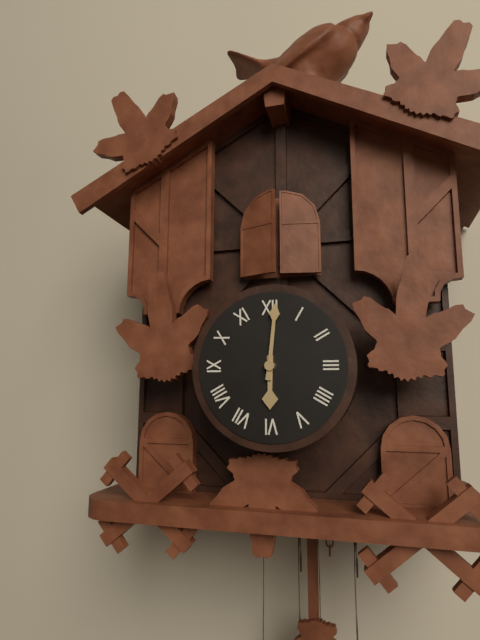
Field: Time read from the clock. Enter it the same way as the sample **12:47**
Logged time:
**6:01**
